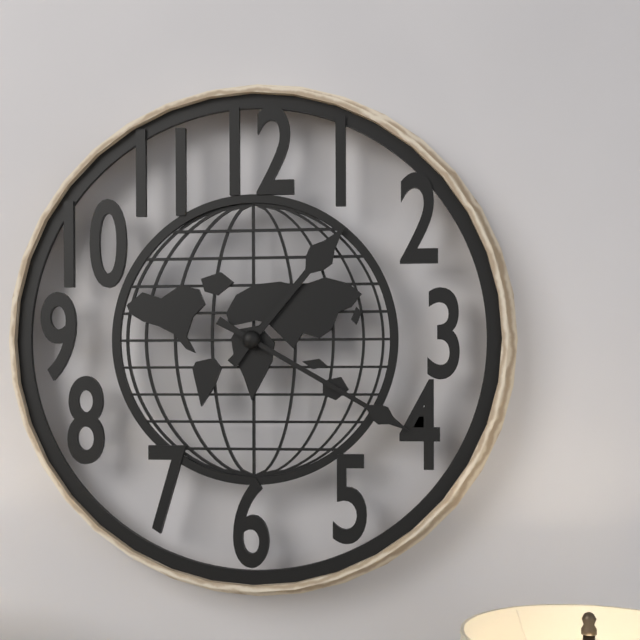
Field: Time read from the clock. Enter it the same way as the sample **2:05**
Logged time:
**1:20**
